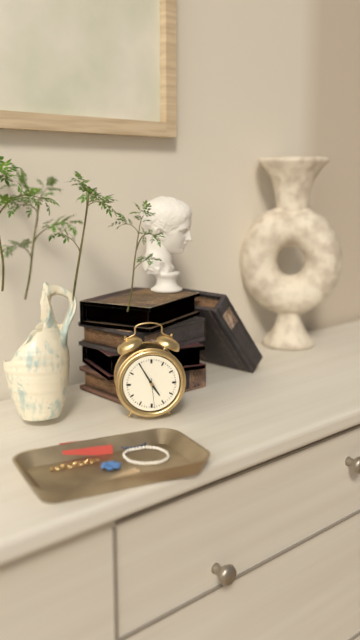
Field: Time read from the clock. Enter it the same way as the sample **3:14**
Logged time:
**4:55**
